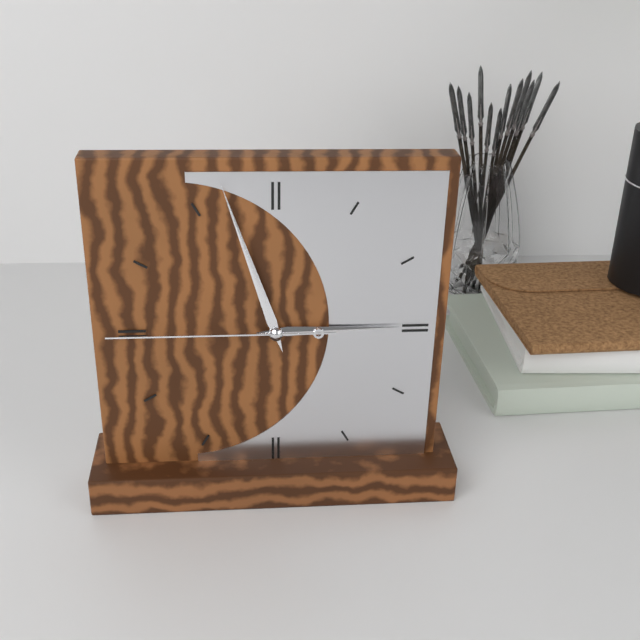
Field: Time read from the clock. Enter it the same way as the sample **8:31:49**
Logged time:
**2:57:45**
